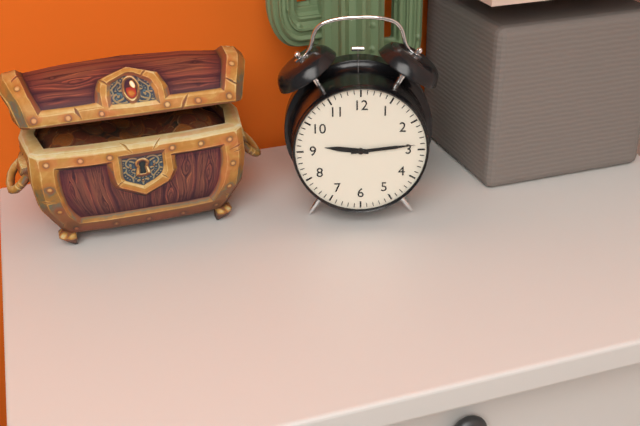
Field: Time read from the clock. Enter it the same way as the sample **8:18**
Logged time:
**9:14**
